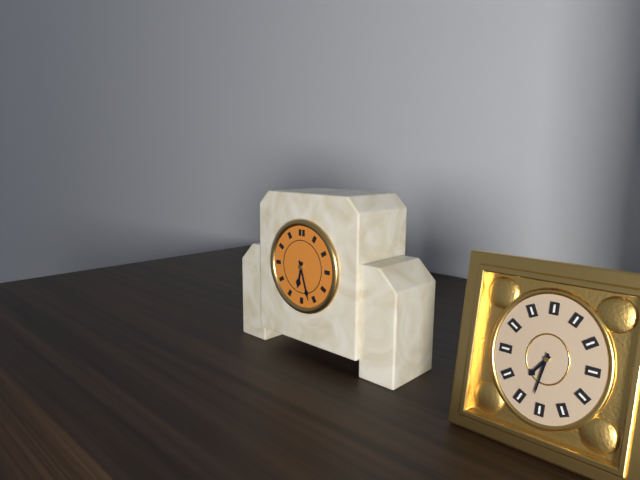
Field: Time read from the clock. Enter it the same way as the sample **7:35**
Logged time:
**6:27**
